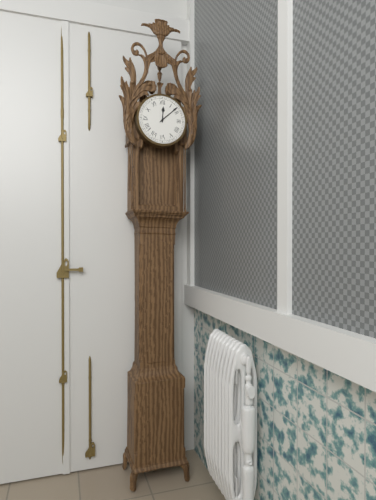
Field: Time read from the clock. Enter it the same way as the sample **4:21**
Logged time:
**12:08**
